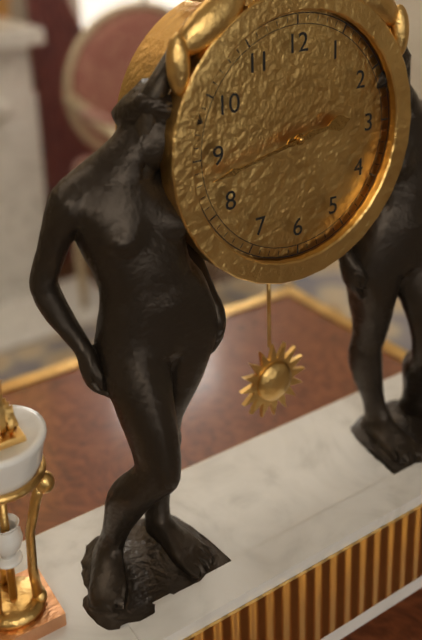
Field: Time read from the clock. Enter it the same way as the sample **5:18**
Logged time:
**2:43**
